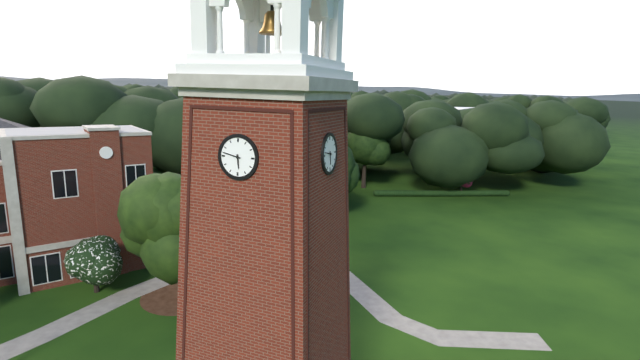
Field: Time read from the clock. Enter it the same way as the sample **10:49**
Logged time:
**5:47**
